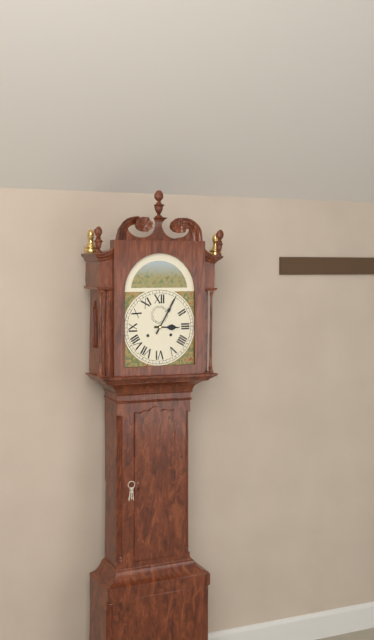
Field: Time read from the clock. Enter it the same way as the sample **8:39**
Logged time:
**3:05**
